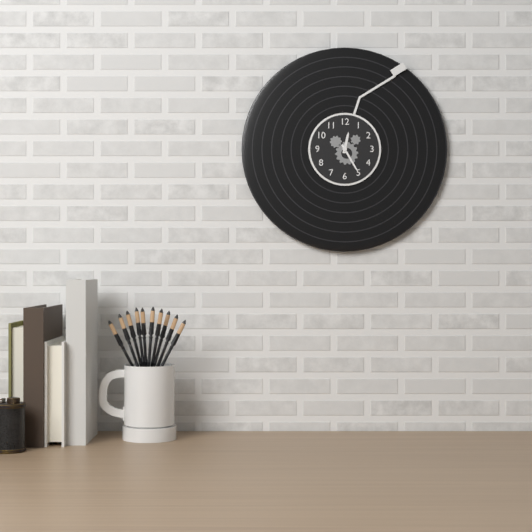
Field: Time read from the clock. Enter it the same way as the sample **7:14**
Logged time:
**12:25**
